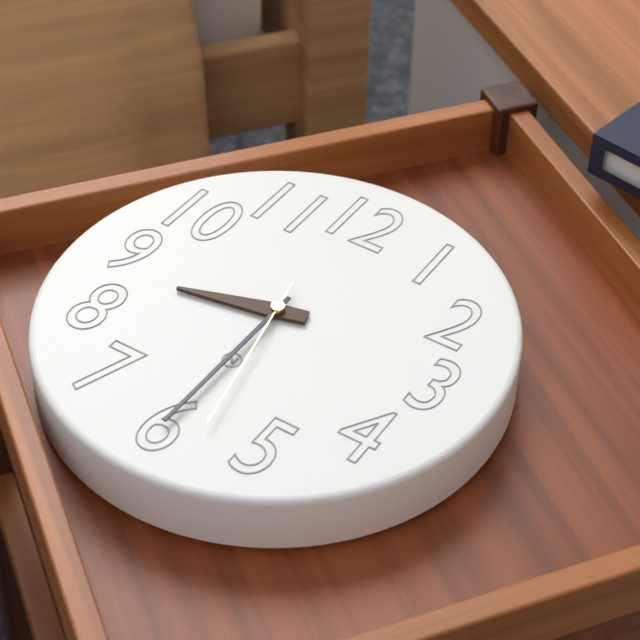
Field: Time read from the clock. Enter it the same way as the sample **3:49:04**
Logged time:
**8:30:28**
